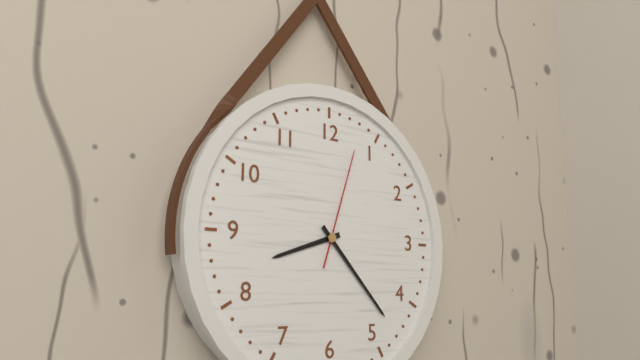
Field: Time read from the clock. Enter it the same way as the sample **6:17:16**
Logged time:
**8:23:03**
